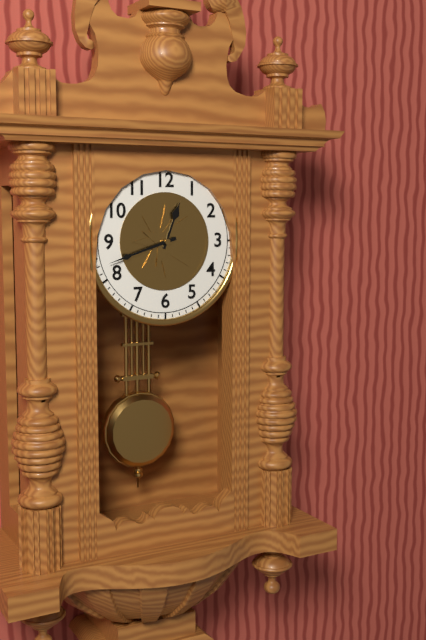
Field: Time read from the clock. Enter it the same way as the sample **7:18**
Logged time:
**12:42**
